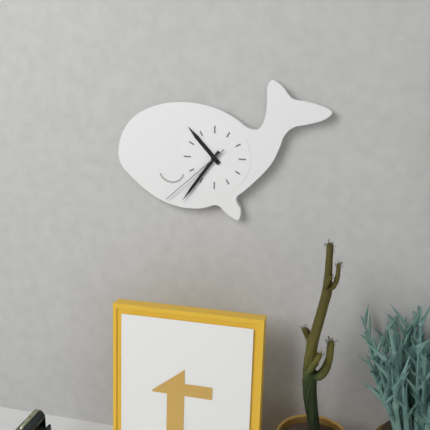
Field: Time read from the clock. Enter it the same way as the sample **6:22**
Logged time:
**10:36**
